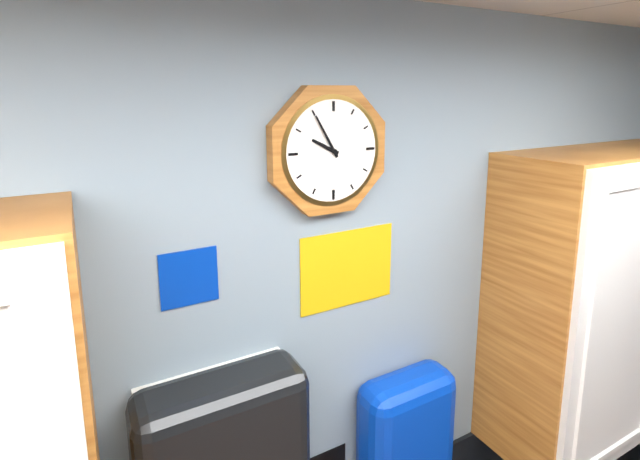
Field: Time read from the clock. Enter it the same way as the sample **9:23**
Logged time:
**9:55**
